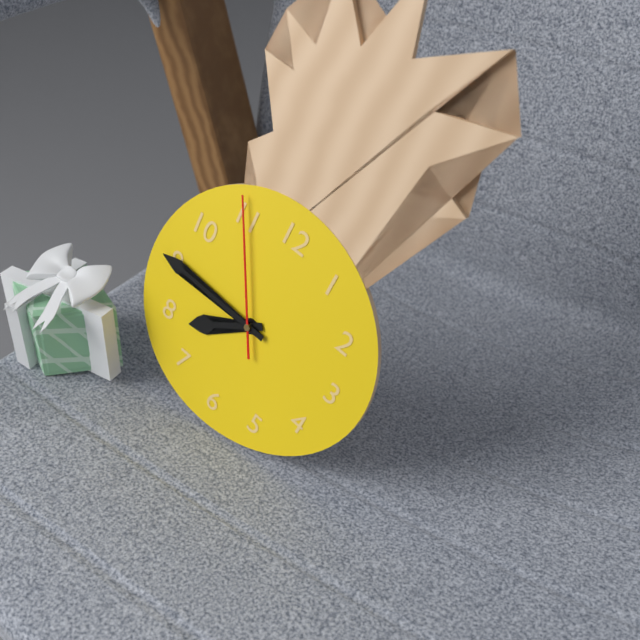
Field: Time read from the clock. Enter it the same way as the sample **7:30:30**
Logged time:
**7:45:55**
